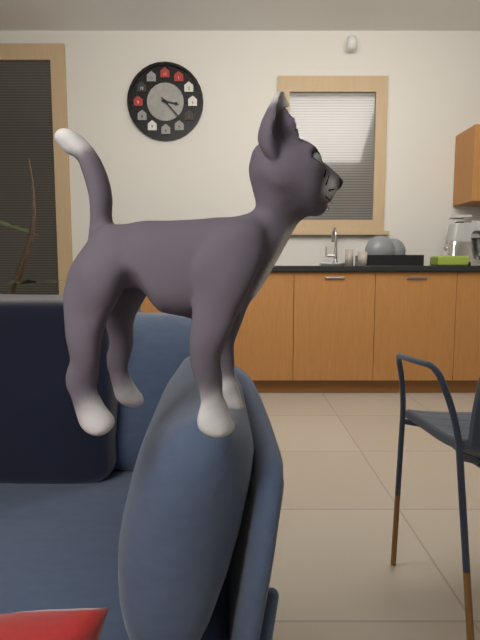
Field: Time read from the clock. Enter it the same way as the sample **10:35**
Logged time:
**3:23**
